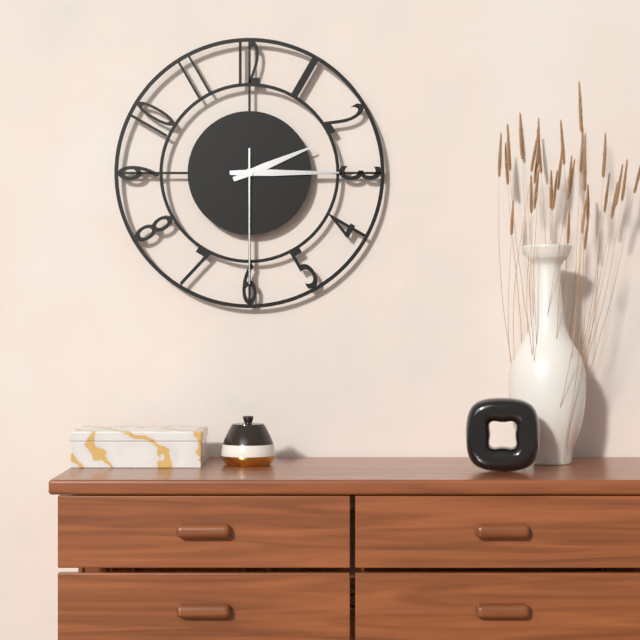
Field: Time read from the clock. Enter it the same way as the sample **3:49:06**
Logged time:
**2:15:30**
